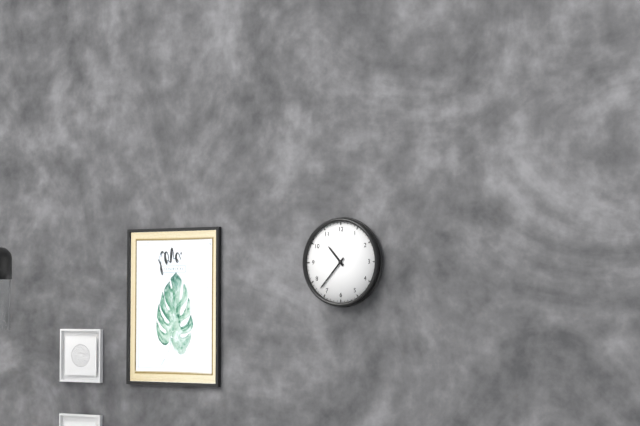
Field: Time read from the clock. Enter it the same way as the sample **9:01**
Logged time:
**10:37**
